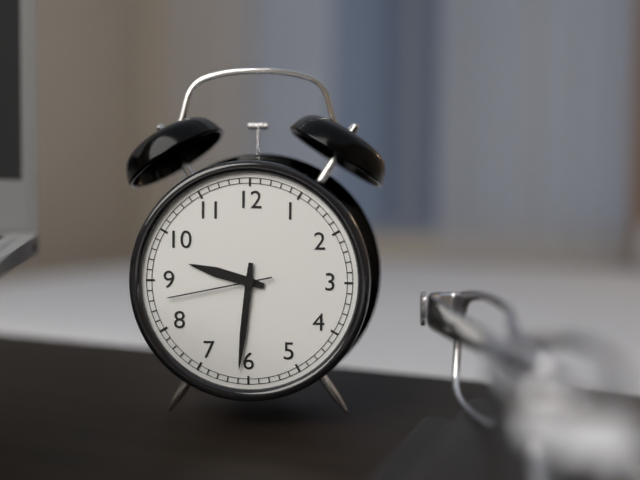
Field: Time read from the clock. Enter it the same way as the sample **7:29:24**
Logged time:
**9:31:43**
